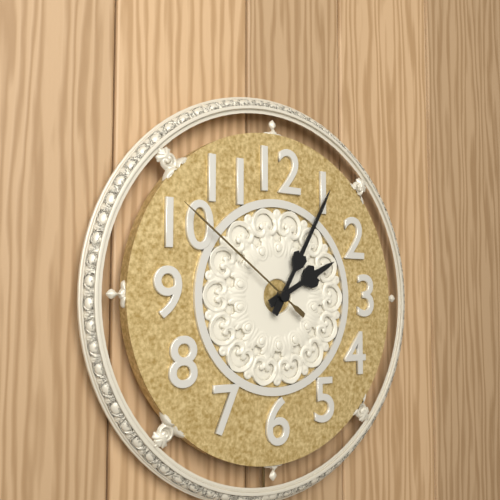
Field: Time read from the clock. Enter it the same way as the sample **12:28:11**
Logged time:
**2:05:51**
